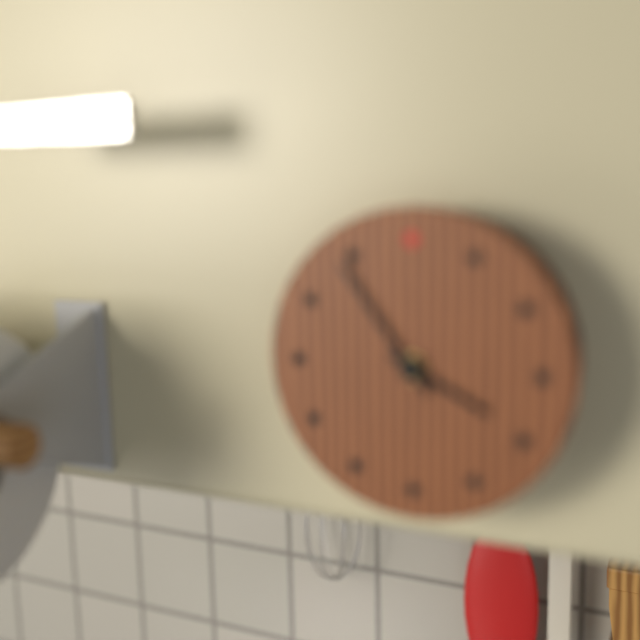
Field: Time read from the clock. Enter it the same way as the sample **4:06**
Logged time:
**3:54**
